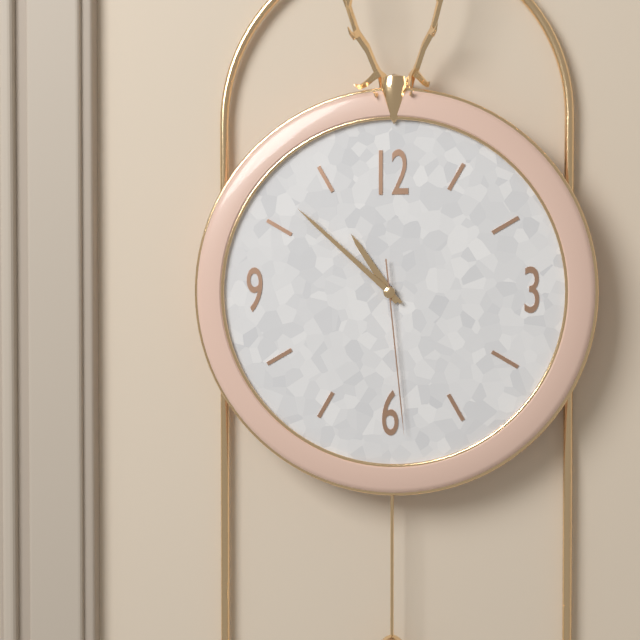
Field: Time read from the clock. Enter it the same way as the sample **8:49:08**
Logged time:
**10:52:29**
